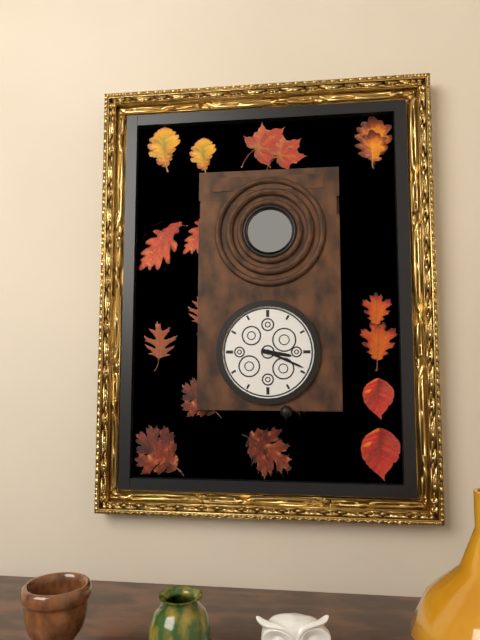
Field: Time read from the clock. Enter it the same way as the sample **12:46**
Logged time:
**3:19**
